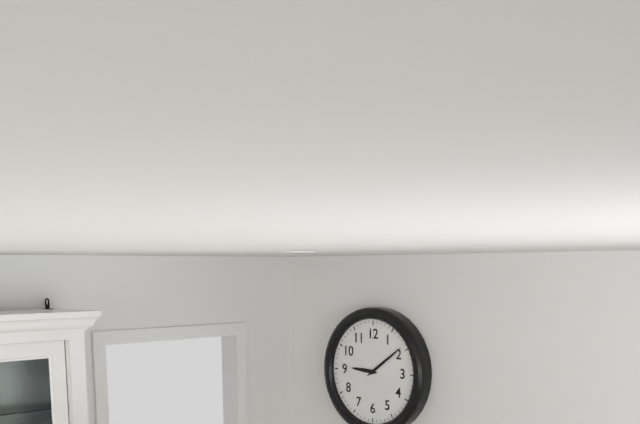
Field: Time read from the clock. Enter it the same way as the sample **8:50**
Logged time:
**9:09**
